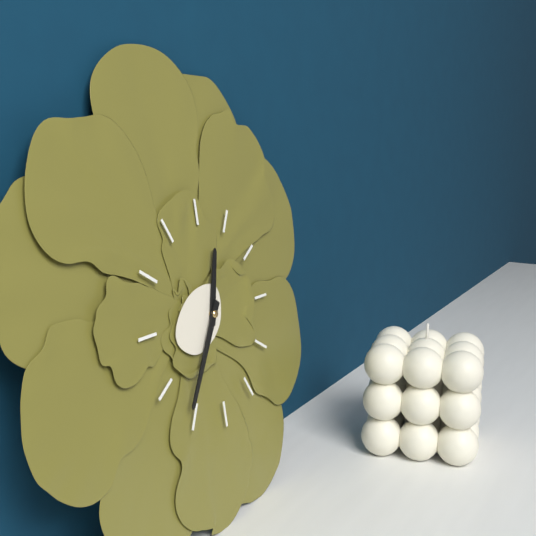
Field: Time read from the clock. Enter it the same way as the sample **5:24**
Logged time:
**12:36**
